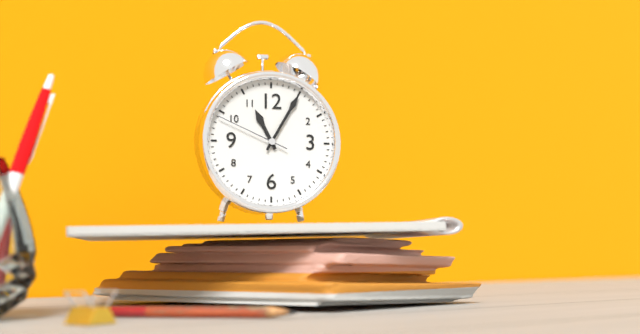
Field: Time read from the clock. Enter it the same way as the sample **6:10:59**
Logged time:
**11:05:49**
